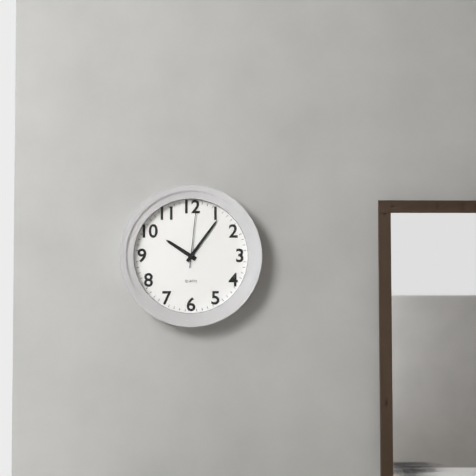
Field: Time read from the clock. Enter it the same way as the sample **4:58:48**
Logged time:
**10:06:01**
